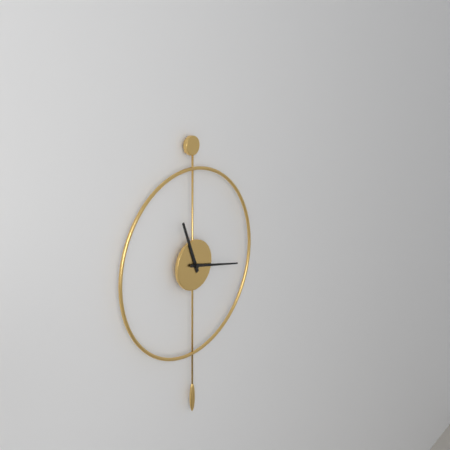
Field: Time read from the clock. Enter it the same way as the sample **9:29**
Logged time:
**11:17**
